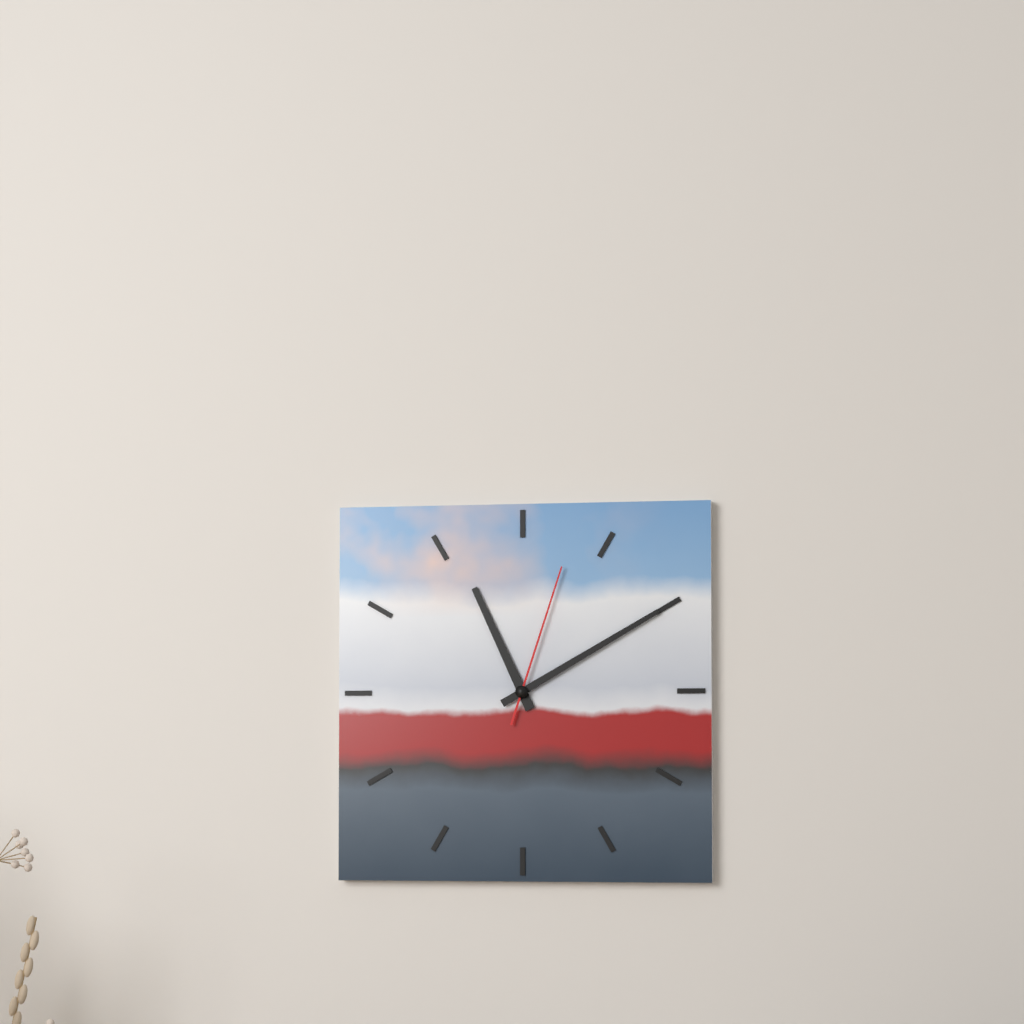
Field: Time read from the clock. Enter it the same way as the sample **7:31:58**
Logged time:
**11:10:03**
